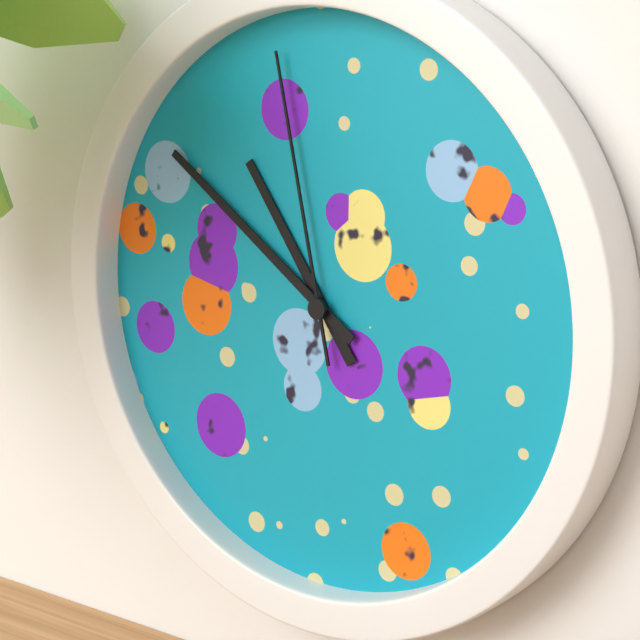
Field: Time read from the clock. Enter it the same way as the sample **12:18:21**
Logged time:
**10:51:58**
